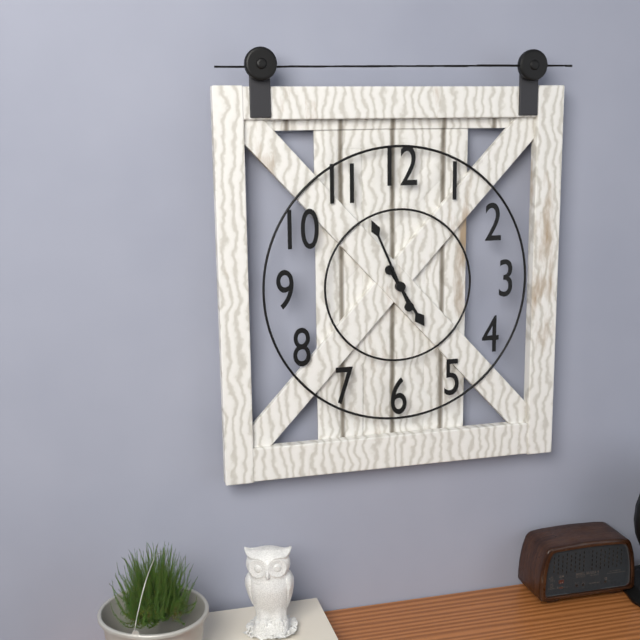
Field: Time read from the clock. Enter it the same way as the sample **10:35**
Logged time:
**4:56**
